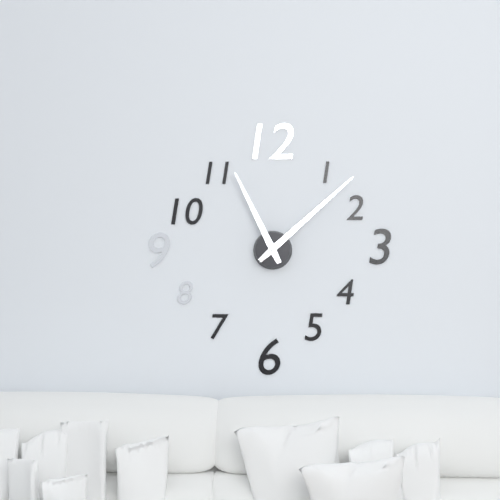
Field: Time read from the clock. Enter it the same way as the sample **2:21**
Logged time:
**11:08**
